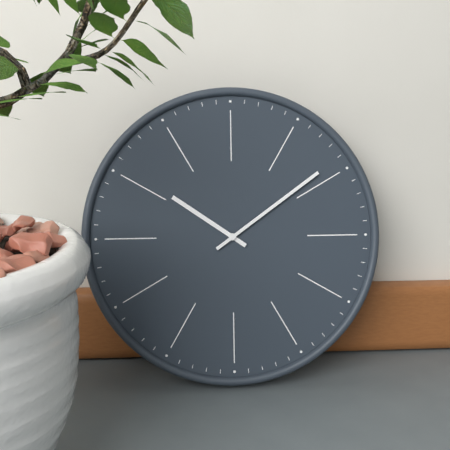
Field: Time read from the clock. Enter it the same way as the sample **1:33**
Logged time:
**10:09**
